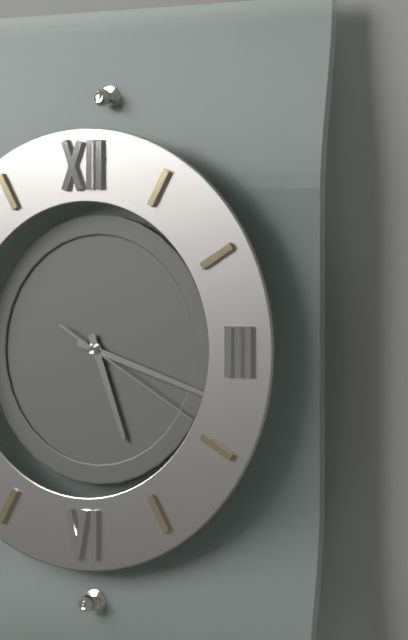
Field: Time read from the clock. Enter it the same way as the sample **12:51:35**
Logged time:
**5:18:20**
